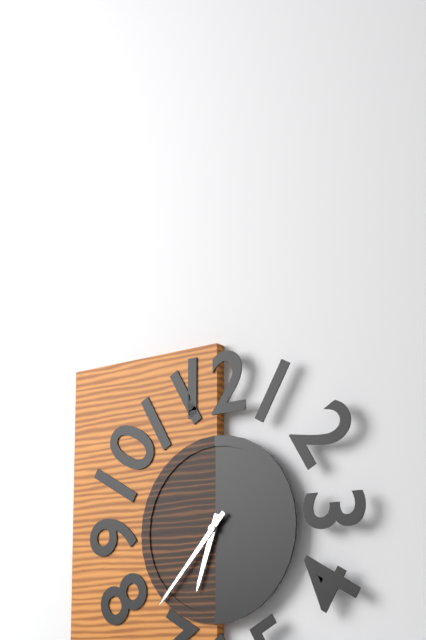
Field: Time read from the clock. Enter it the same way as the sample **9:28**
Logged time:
**6:37**
